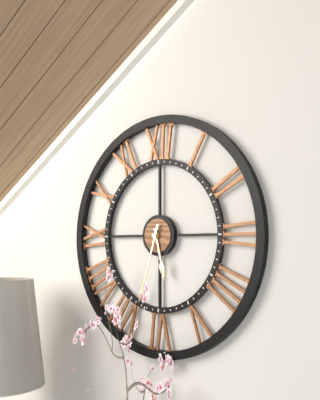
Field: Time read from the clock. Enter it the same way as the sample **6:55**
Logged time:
**5:33**
